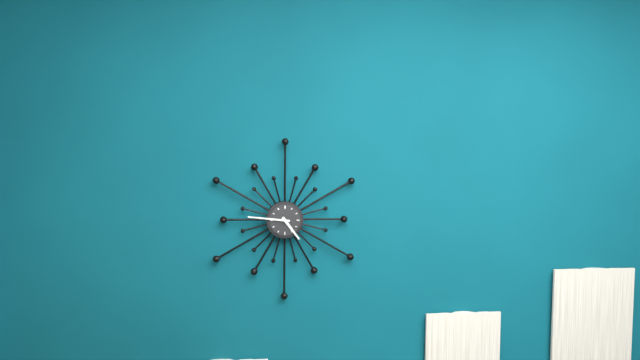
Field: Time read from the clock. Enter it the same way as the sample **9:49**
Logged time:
**4:46**
